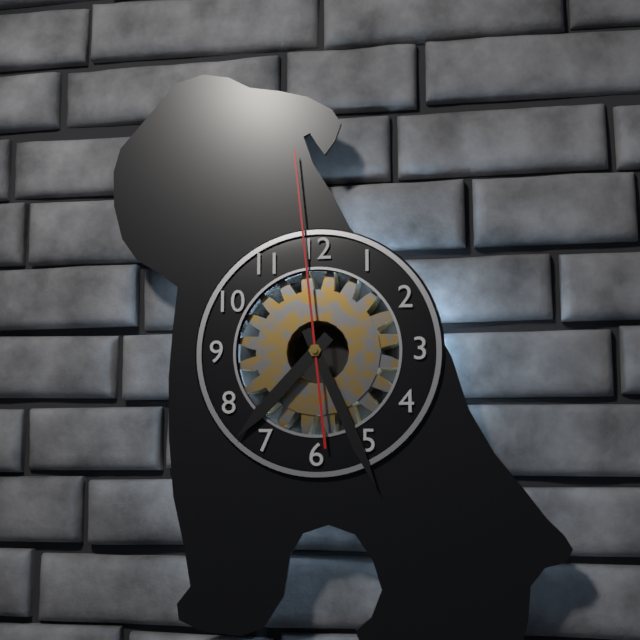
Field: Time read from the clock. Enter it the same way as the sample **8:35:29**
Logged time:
**7:26:59**
